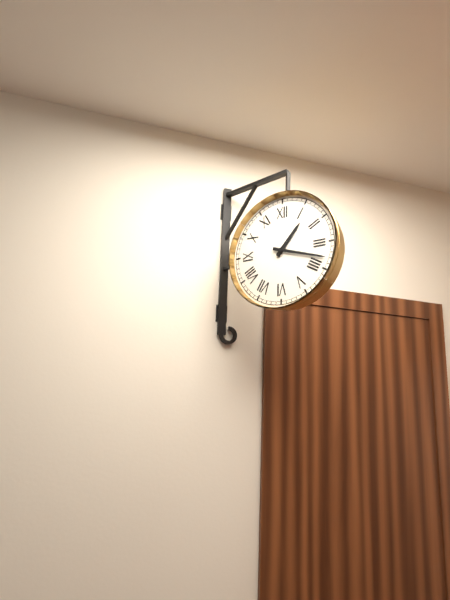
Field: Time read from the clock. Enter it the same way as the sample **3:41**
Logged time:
**1:18**
